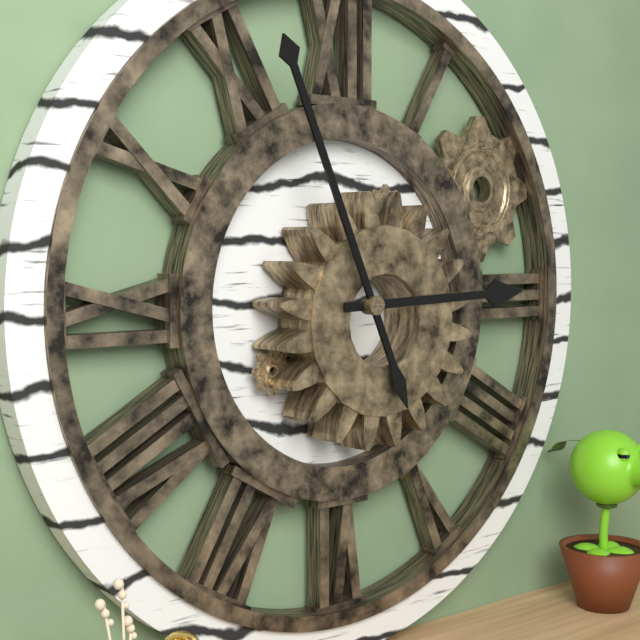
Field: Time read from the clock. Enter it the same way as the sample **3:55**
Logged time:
**2:56**
